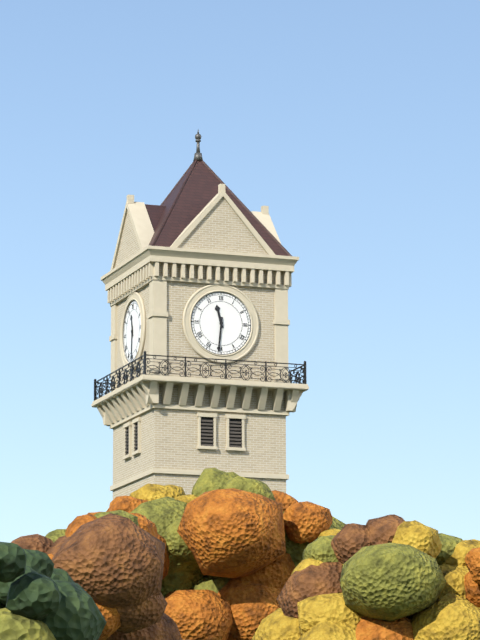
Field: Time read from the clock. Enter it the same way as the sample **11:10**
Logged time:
**11:31**
